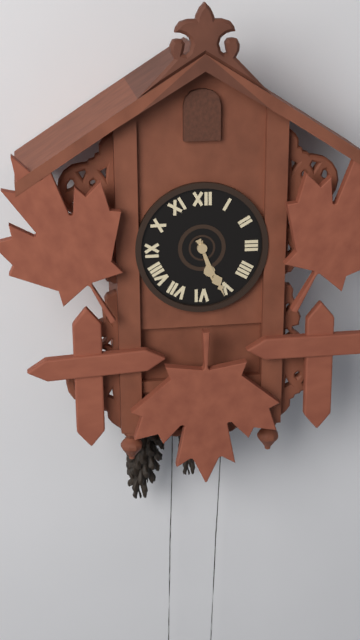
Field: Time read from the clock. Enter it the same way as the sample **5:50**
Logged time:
**5:26**
